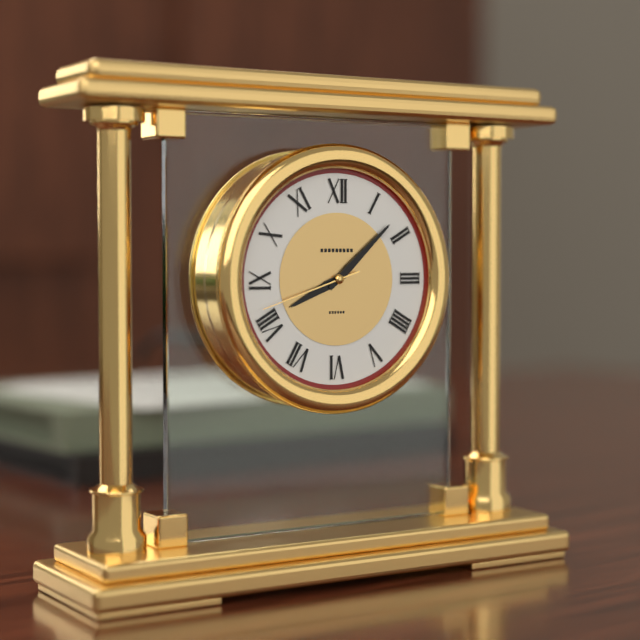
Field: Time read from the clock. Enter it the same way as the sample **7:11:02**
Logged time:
**8:08:42**
